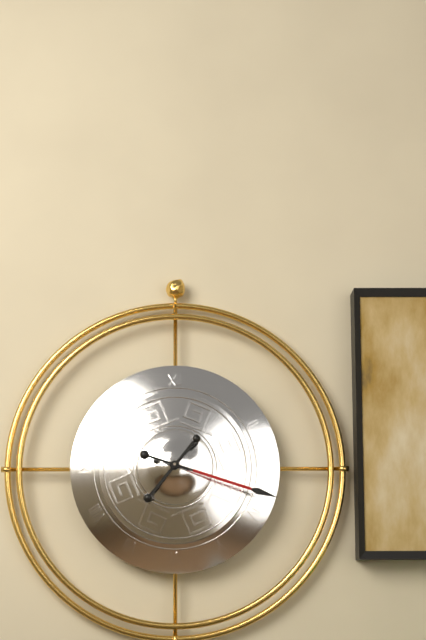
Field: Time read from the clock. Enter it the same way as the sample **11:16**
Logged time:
**7:18**
